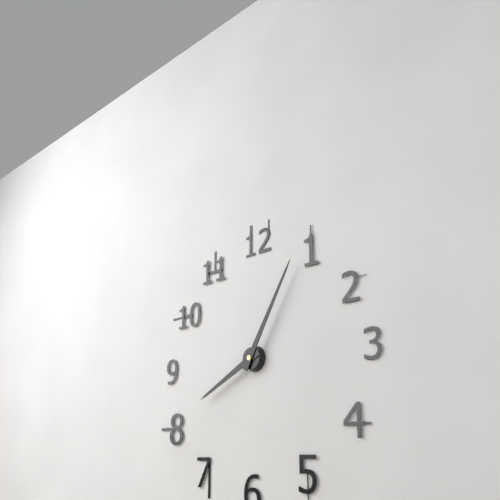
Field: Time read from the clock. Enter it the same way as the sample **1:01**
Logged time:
**8:05**
